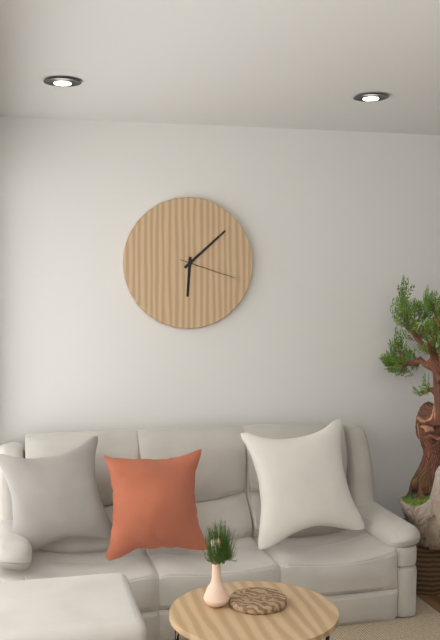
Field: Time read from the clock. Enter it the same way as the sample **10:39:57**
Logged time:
**6:08:18**
